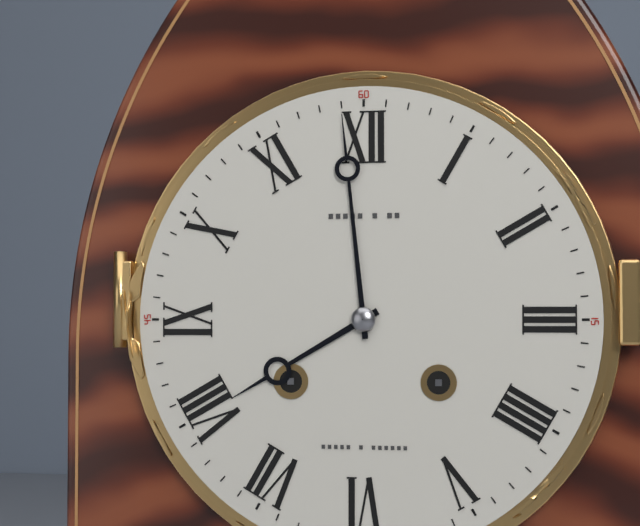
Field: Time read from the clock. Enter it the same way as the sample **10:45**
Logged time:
**7:59**
